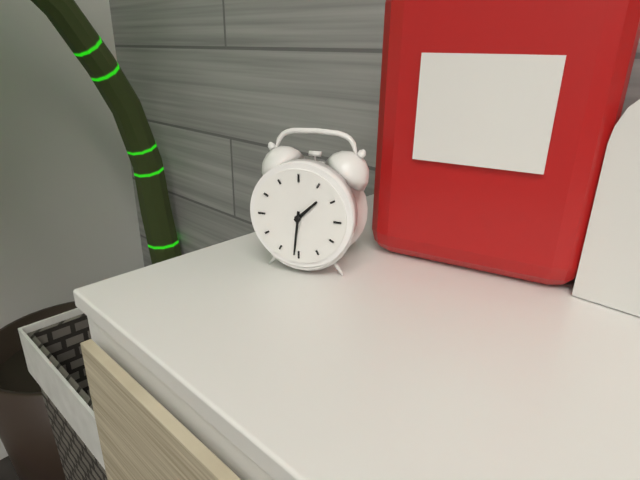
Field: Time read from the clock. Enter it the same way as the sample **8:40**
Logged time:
**1:31**
